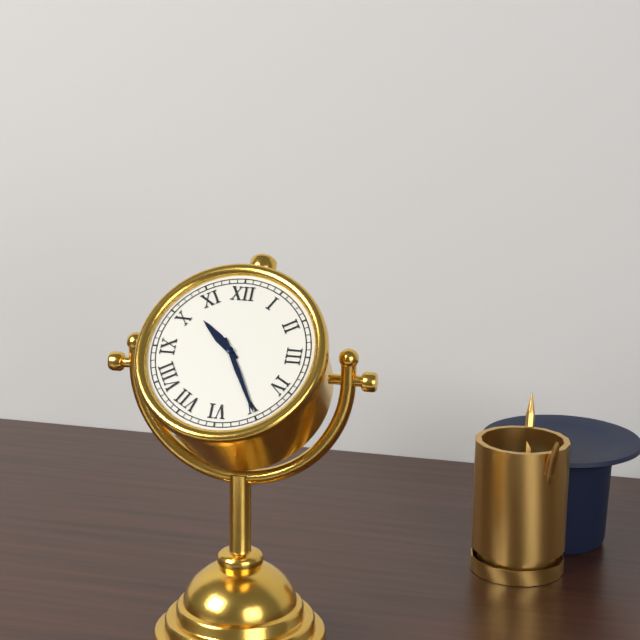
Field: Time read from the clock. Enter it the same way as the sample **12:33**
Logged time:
**10:25**
